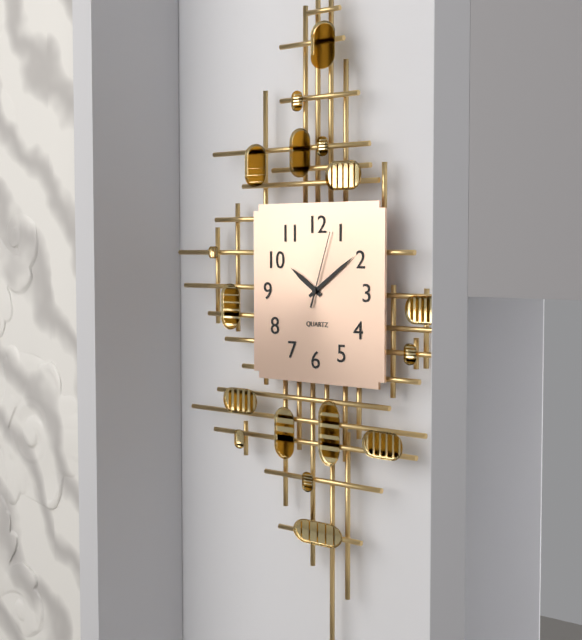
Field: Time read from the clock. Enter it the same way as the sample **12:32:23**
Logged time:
**10:09:03**
